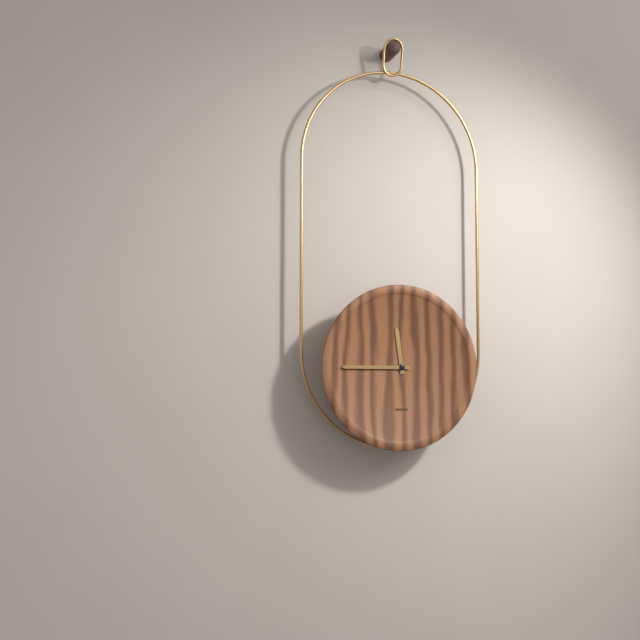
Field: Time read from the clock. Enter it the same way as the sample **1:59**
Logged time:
**11:45**
